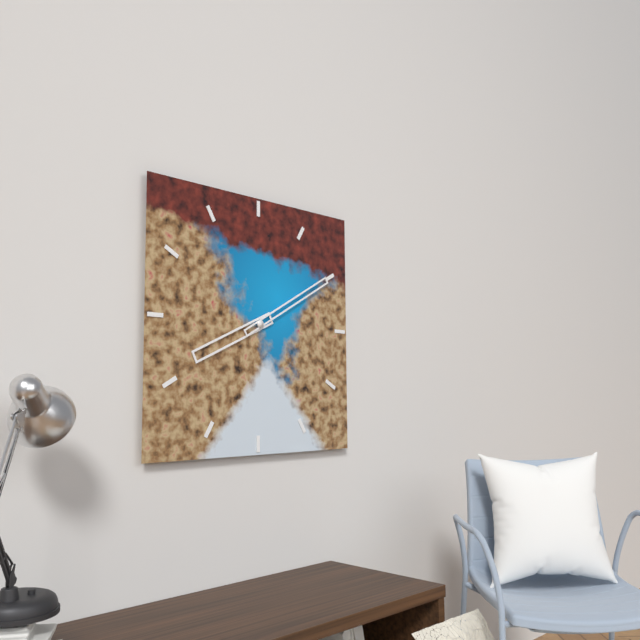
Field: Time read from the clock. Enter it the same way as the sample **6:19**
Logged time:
**8:10**
